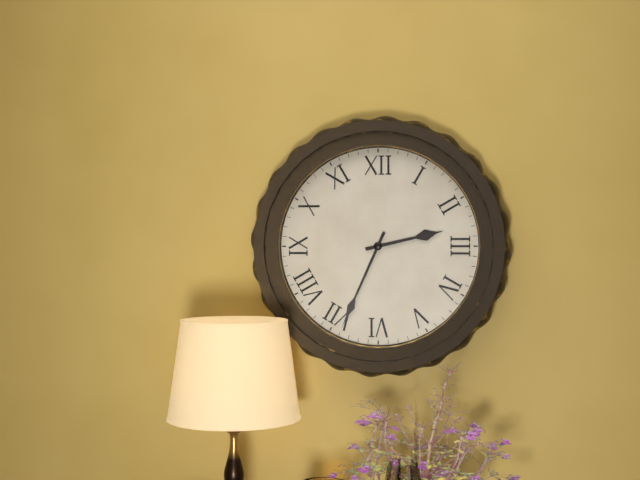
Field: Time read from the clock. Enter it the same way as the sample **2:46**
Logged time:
**2:34**
